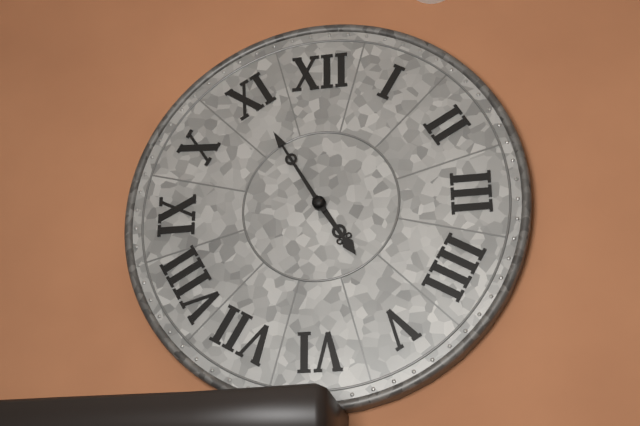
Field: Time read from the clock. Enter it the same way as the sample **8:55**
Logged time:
**4:55**
